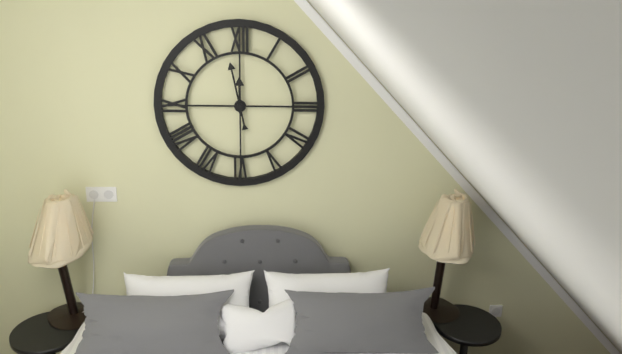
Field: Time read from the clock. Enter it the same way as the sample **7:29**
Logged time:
**11:58**
